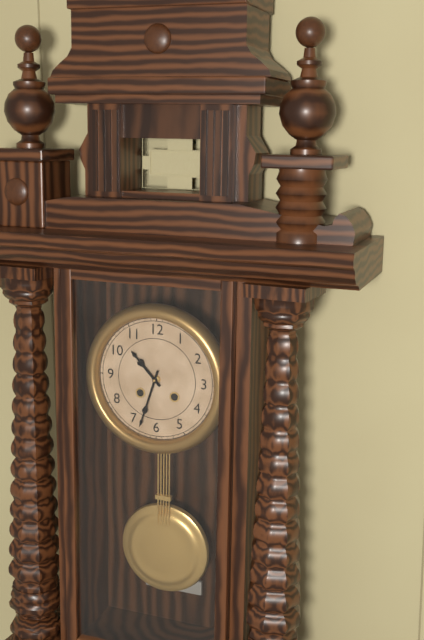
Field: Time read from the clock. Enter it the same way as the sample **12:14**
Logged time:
**10:33**
